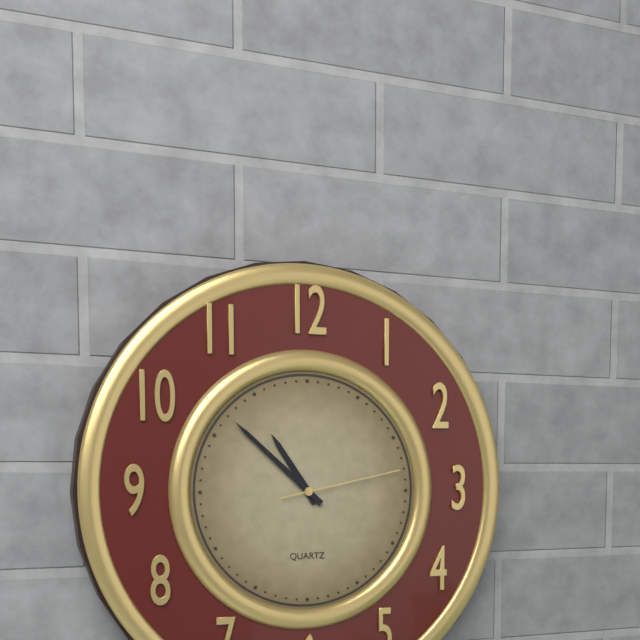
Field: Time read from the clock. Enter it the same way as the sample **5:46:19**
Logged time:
**10:52:13**
